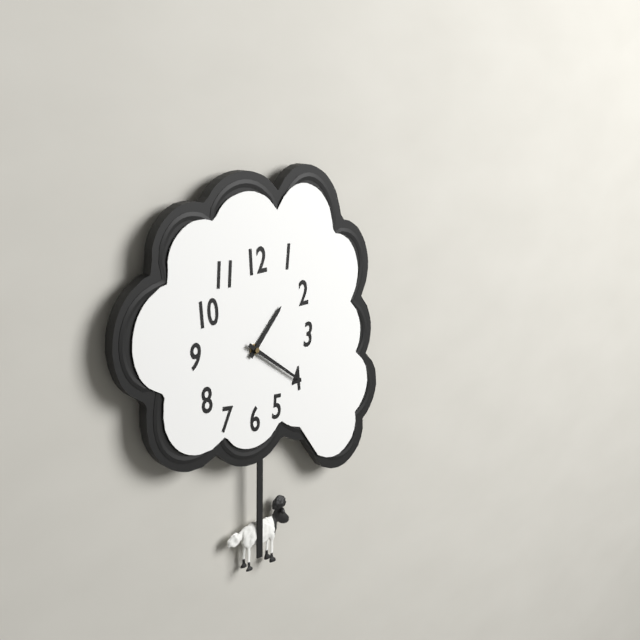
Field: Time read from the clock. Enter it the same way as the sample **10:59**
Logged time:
**1:21**
